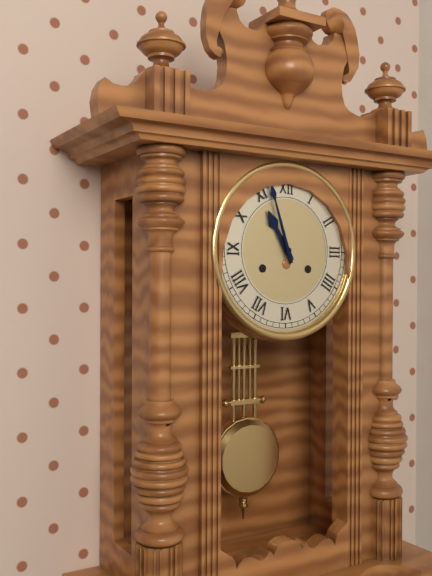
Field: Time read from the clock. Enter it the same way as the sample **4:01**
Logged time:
**10:57**
